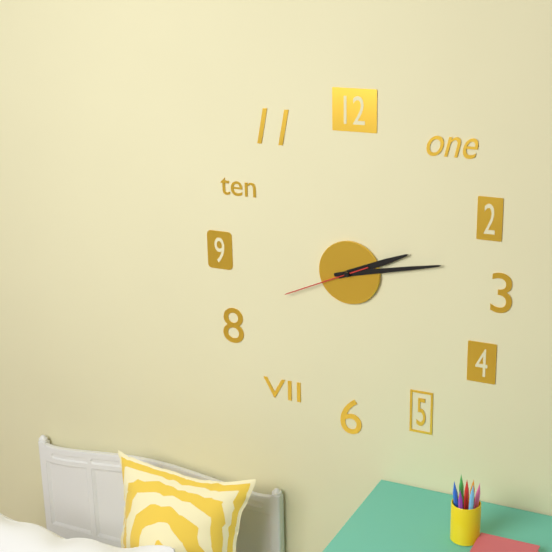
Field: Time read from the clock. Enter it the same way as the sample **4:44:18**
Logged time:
**2:13:41**
